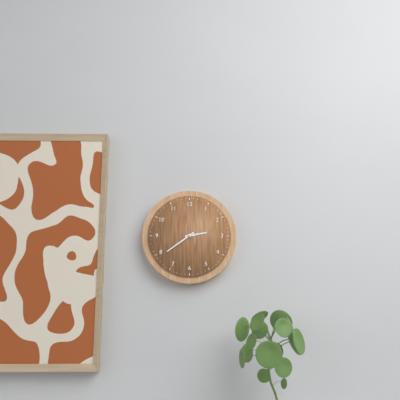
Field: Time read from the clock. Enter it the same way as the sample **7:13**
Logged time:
**2:39**
